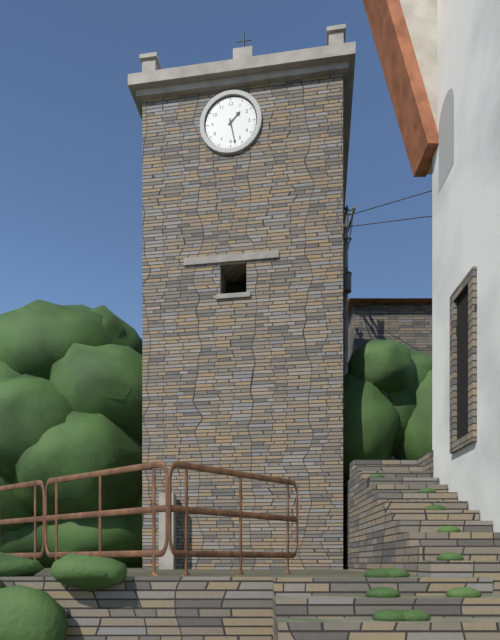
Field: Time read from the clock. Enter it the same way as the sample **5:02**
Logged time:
**1:28**
